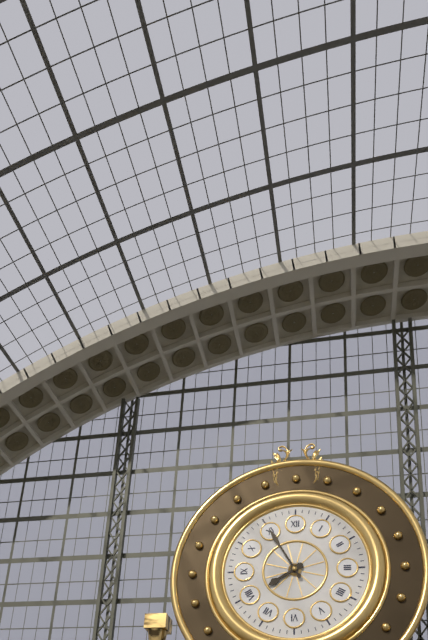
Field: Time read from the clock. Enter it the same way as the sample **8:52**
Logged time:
**7:55**
